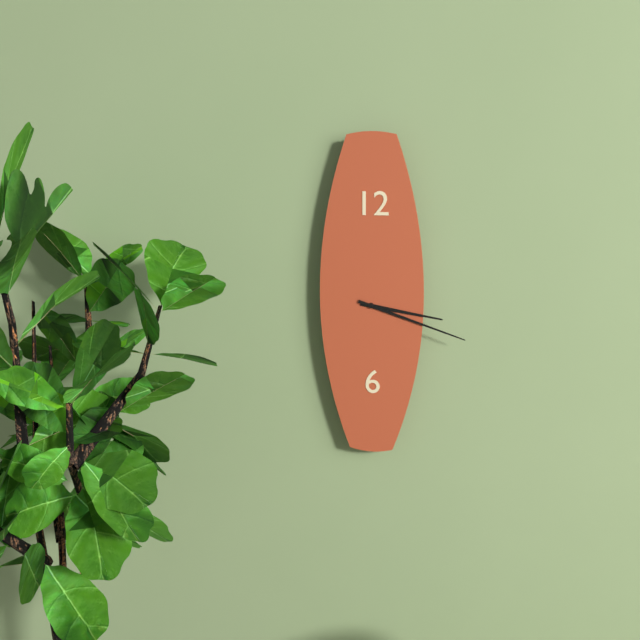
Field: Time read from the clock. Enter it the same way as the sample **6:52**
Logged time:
**3:18**
